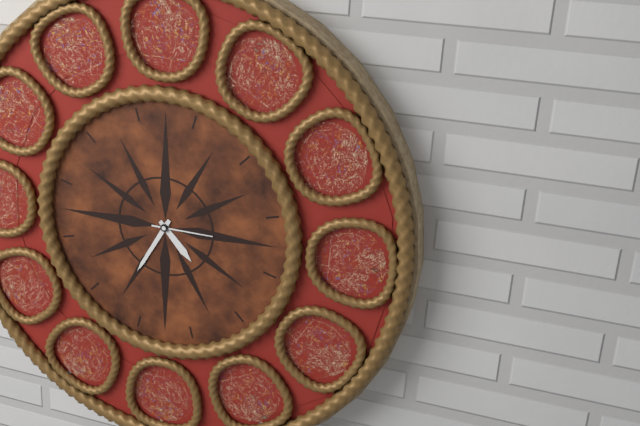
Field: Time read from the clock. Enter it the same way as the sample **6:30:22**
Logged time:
**4:35:15**
